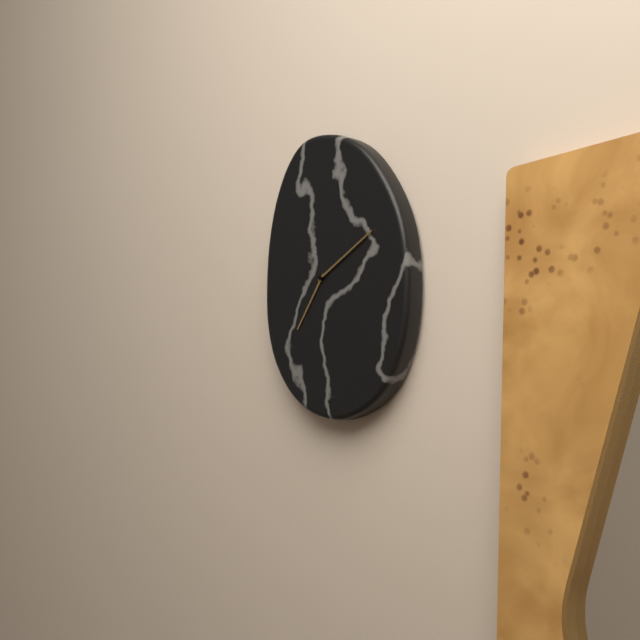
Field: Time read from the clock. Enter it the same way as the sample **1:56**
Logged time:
**7:10**
